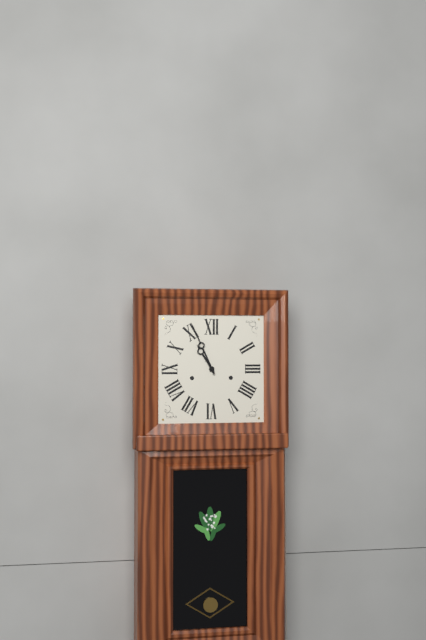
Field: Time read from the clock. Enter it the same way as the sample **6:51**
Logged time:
**10:56**
